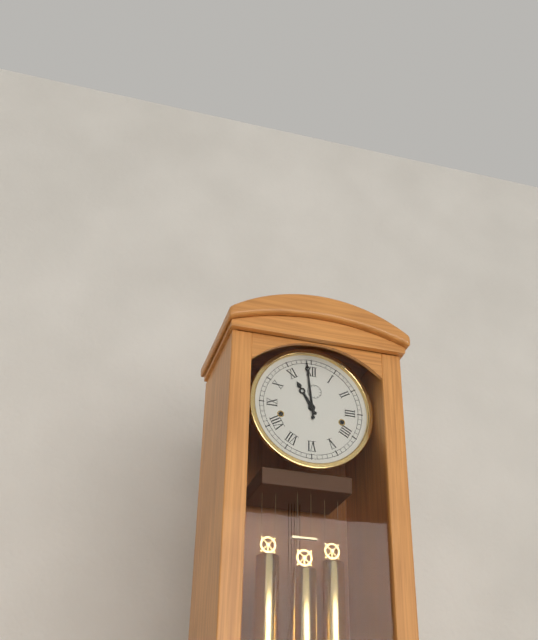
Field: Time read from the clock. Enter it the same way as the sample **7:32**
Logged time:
**10:59**
